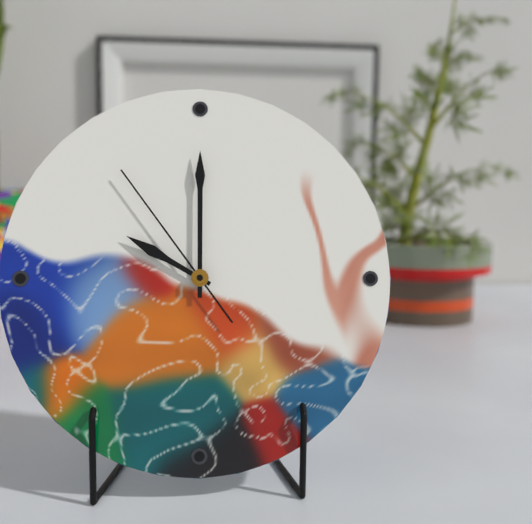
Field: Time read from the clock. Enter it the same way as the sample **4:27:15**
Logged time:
**10:00:54**
